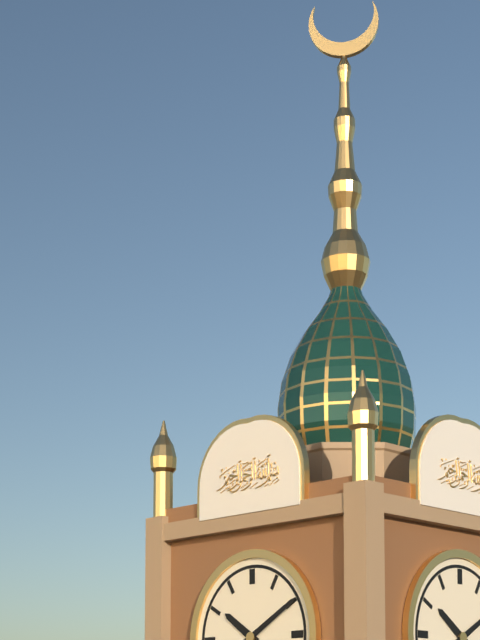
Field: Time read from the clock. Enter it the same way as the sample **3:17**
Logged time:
**10:10**
